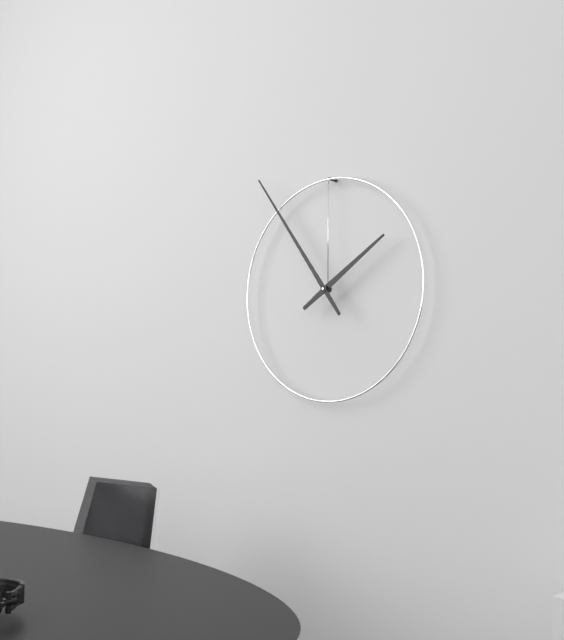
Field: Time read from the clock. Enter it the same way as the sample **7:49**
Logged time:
**1:54**
